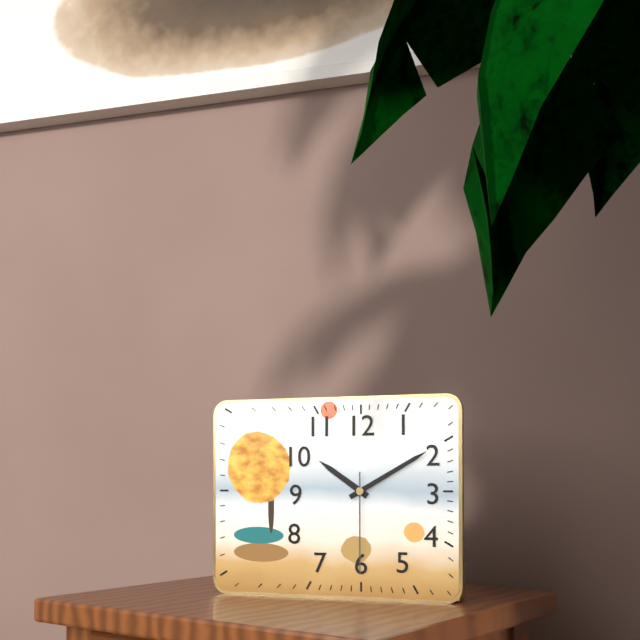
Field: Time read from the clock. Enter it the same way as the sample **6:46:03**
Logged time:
**10:10:30**
